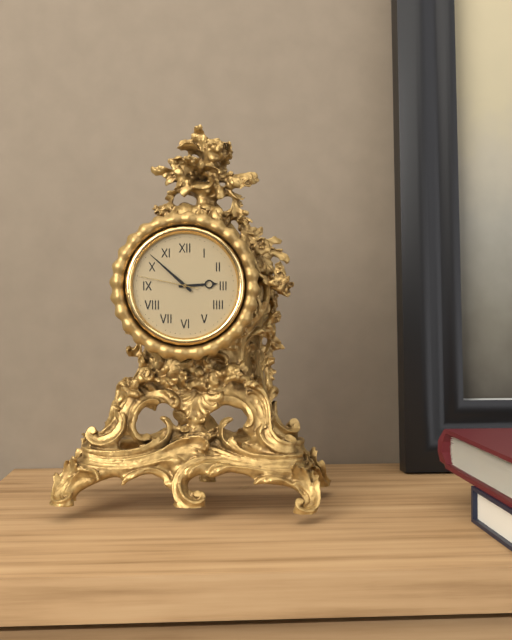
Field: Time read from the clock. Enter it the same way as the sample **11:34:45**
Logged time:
**2:52:47**
